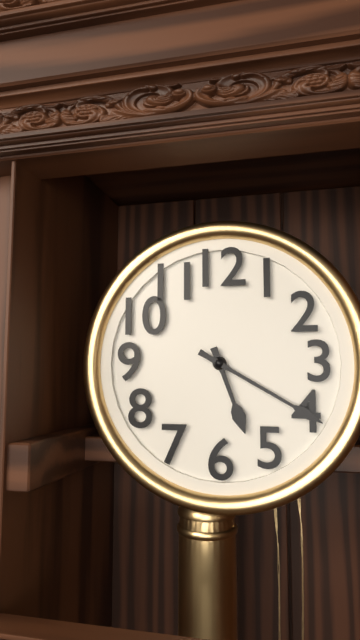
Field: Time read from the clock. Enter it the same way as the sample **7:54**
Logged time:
**5:20**
